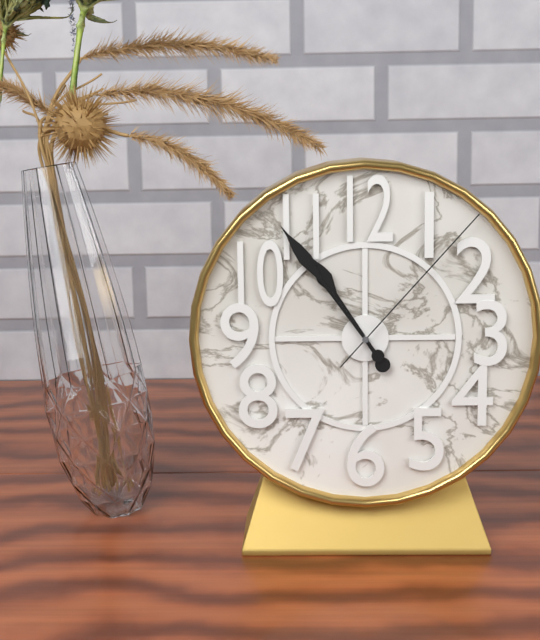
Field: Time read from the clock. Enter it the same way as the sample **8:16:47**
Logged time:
**10:54:07**
